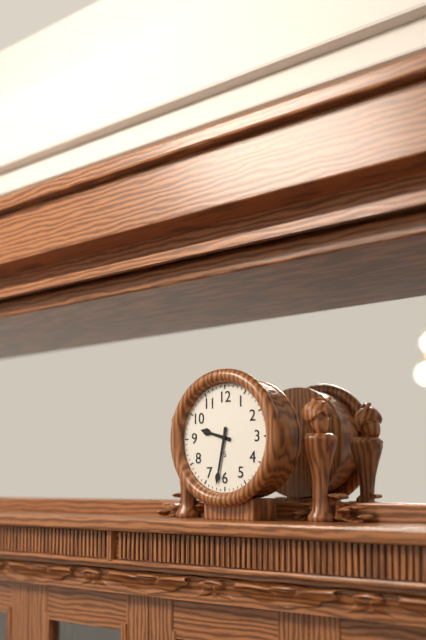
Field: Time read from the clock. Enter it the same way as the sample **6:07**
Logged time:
**9:32**
